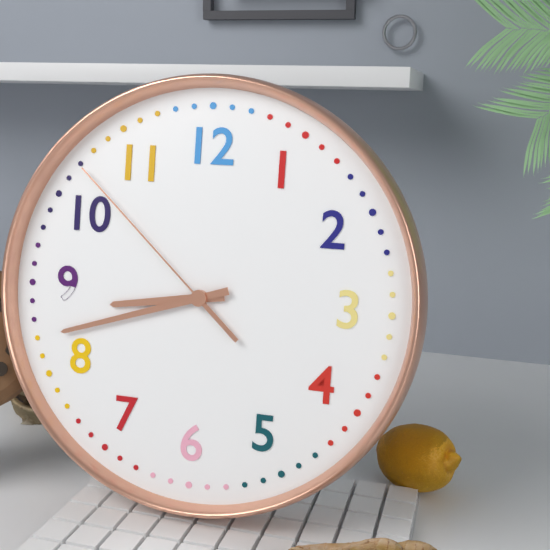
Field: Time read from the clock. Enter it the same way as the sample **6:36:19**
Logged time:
**8:42:52**
